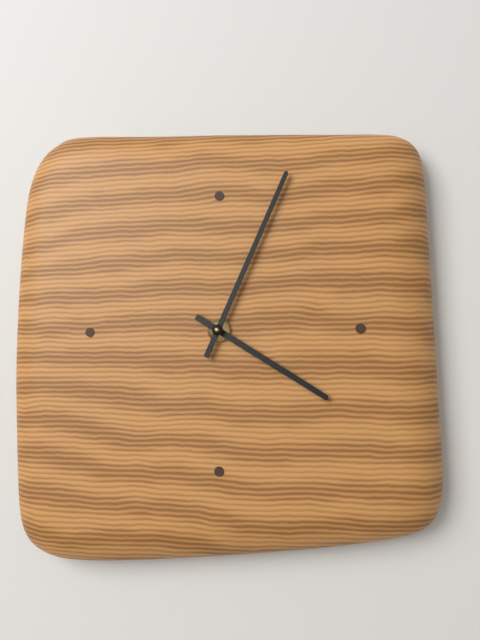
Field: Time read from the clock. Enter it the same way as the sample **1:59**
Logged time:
**4:04**
